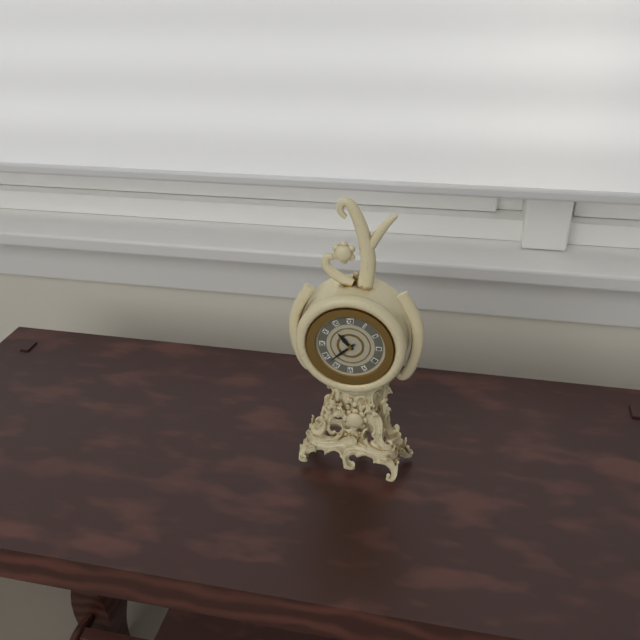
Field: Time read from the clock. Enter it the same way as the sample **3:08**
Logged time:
**10:38**
